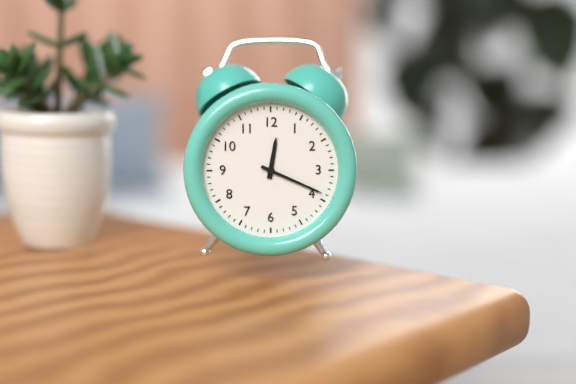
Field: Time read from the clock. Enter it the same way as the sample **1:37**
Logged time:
**12:19**
